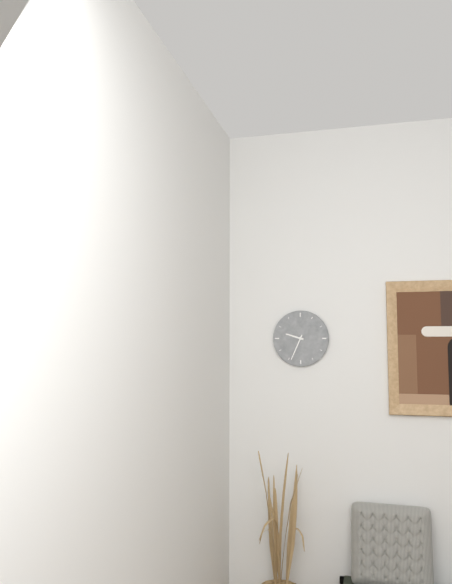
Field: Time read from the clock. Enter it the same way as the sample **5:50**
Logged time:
**9:34**
